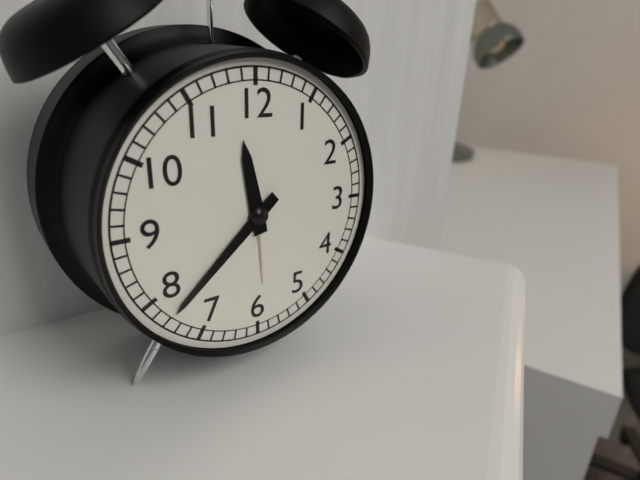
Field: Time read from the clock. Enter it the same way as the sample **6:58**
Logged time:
**11:38**
